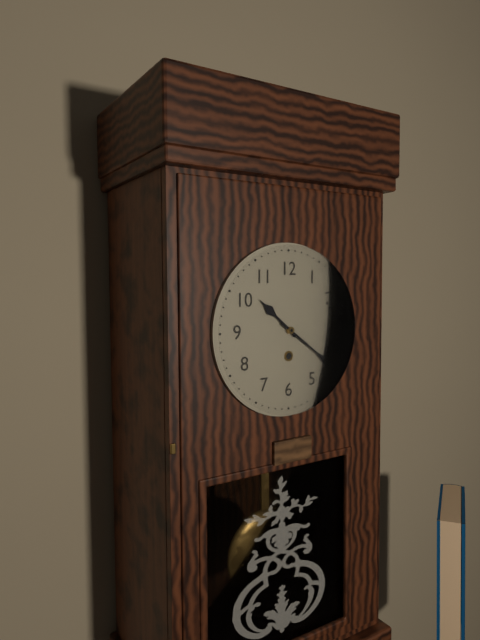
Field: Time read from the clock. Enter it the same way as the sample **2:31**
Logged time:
**10:21**
